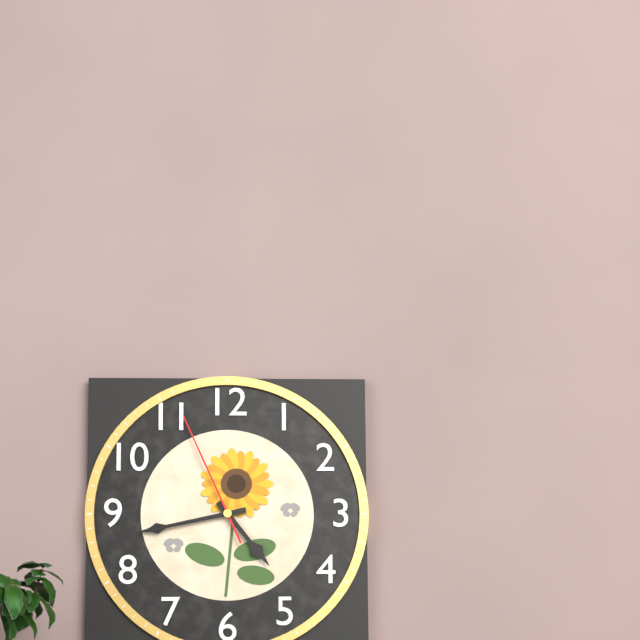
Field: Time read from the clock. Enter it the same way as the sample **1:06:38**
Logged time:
**4:43:56**
